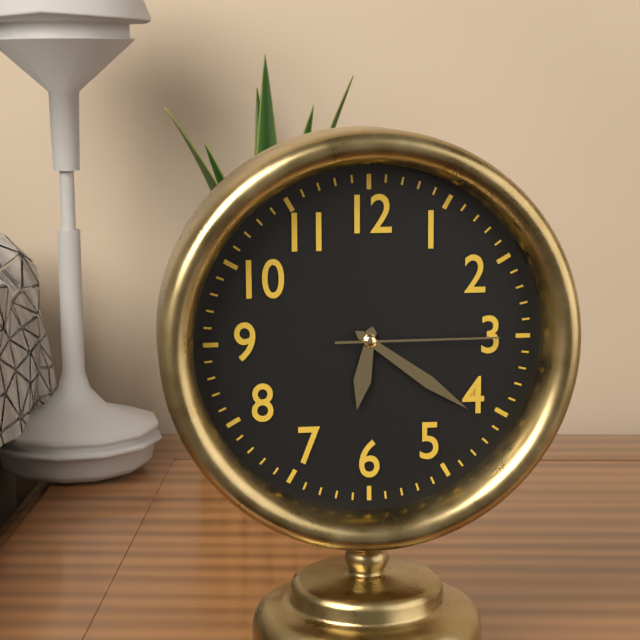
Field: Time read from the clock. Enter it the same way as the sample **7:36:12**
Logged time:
**6:21:15**
